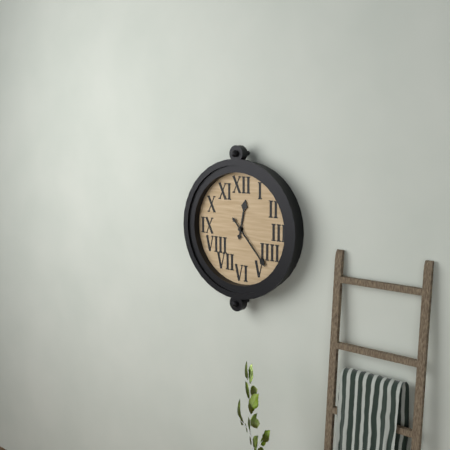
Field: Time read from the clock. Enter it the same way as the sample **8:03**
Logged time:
**12:23**
